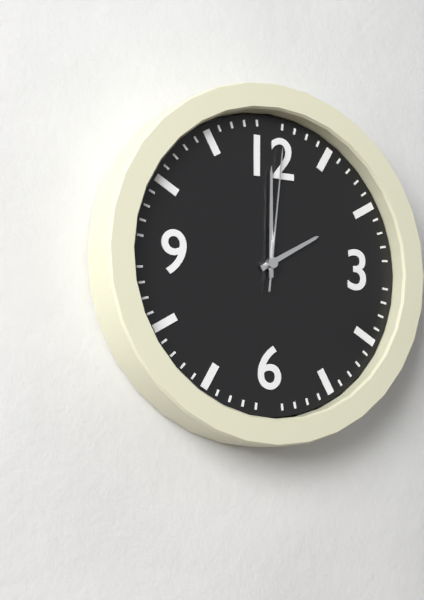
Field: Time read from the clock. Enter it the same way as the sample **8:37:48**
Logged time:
**2:00:01**
